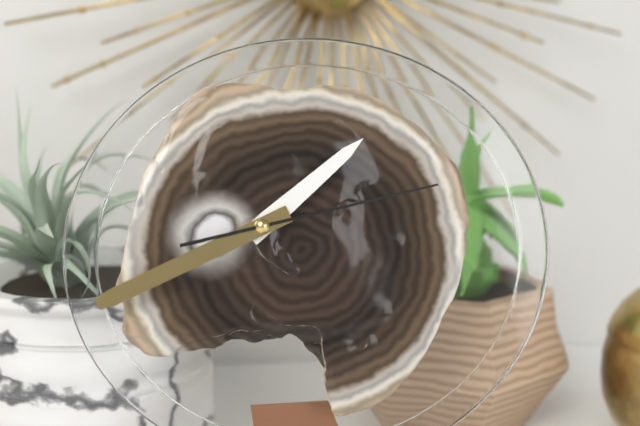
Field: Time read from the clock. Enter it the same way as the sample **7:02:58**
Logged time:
**1:41:13**
